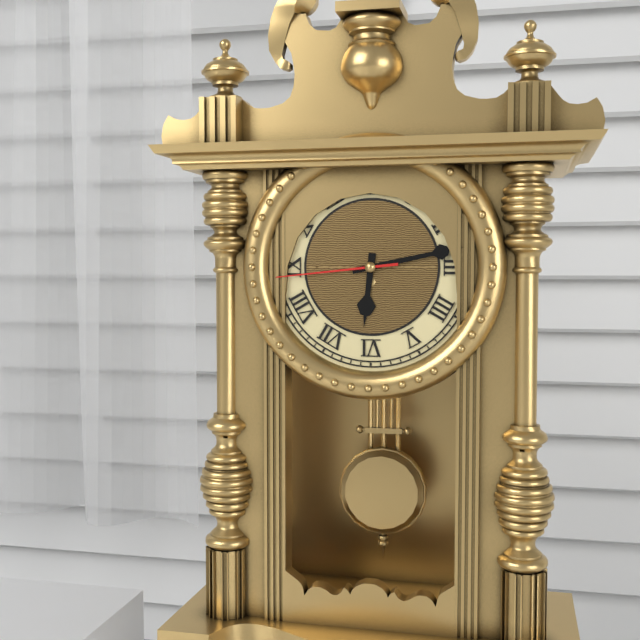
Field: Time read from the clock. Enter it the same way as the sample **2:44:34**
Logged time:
**6:13:44**
